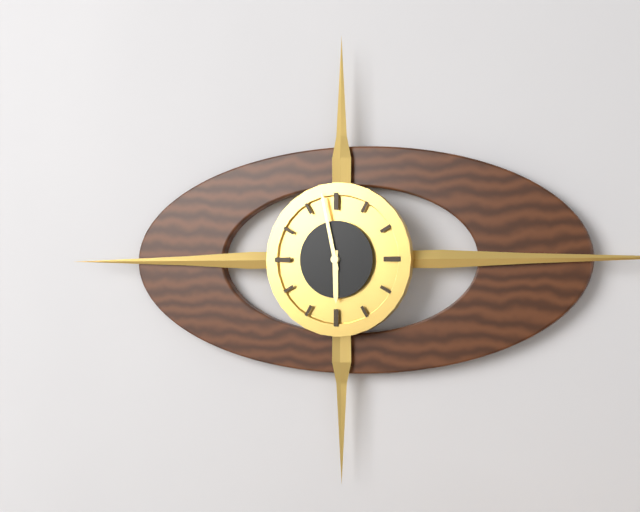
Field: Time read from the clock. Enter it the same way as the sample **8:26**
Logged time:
**5:58**
